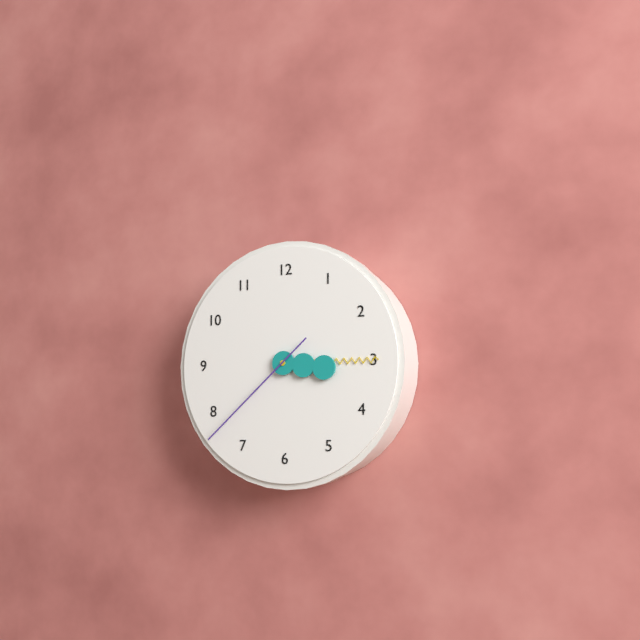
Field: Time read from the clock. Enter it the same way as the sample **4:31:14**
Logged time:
**3:15:38**
